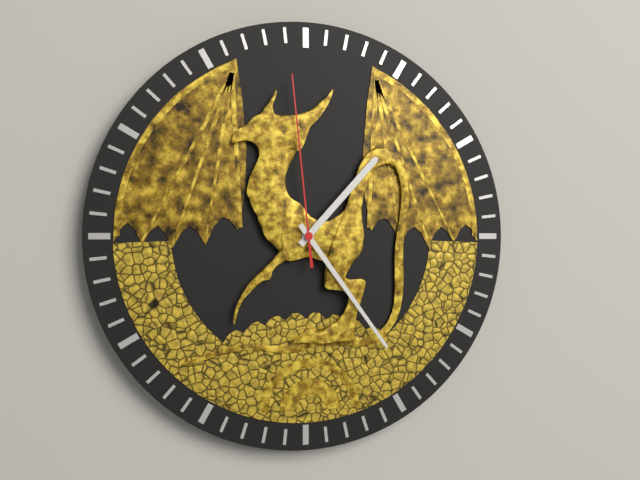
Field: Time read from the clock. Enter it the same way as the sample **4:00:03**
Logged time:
**1:24:59**
